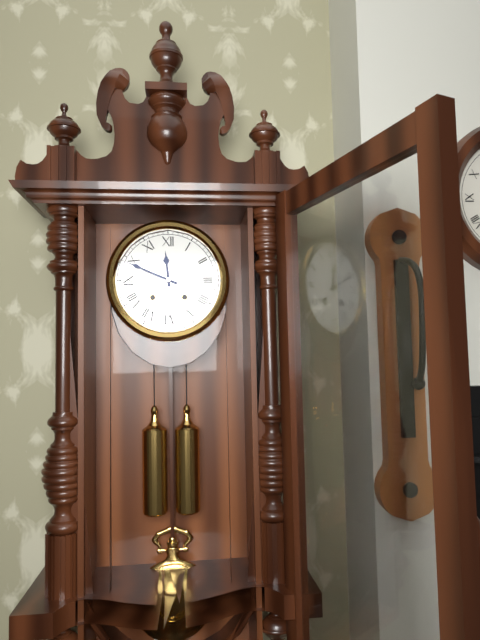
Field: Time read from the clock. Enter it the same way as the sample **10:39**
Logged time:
**11:49**
